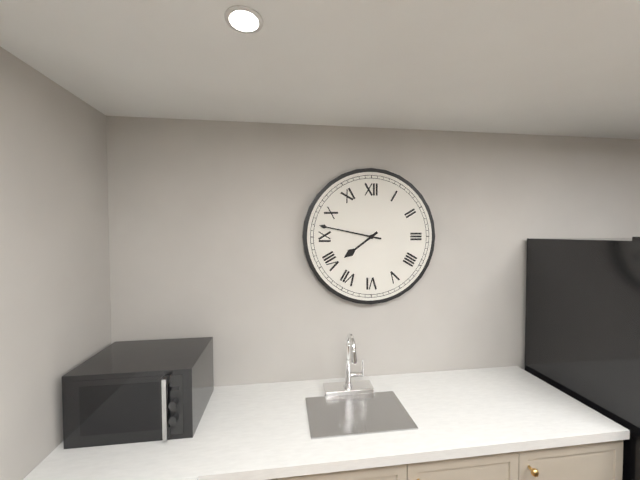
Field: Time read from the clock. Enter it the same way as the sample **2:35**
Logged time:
**7:47**
